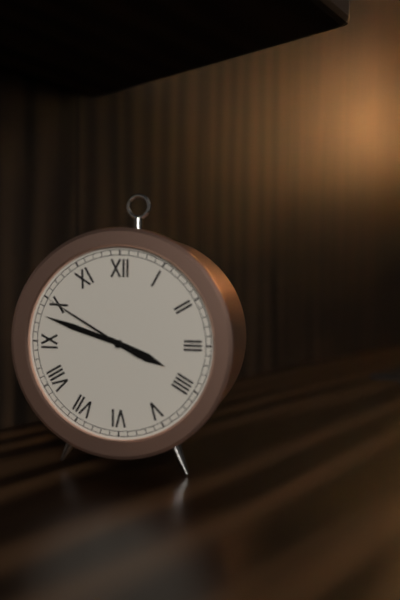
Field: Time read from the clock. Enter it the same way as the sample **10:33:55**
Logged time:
**3:48:50**
